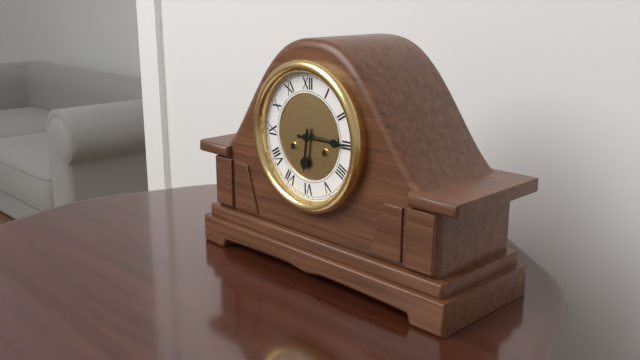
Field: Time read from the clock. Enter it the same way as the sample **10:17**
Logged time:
**6:15**
